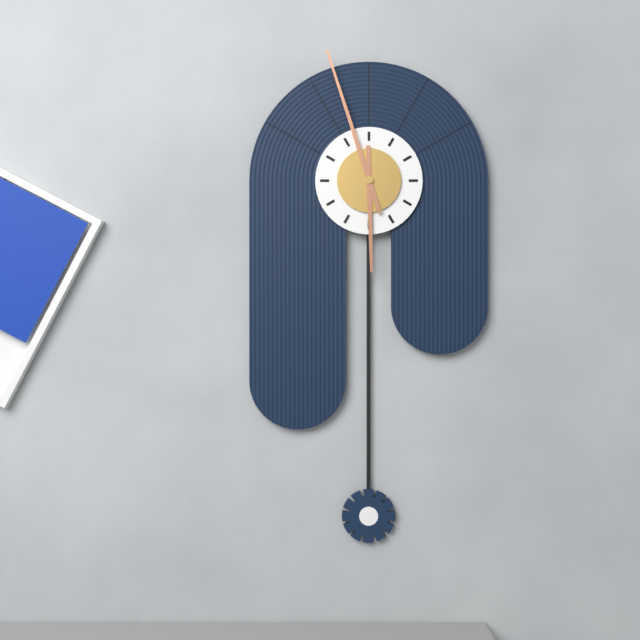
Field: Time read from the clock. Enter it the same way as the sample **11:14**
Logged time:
**5:57**
